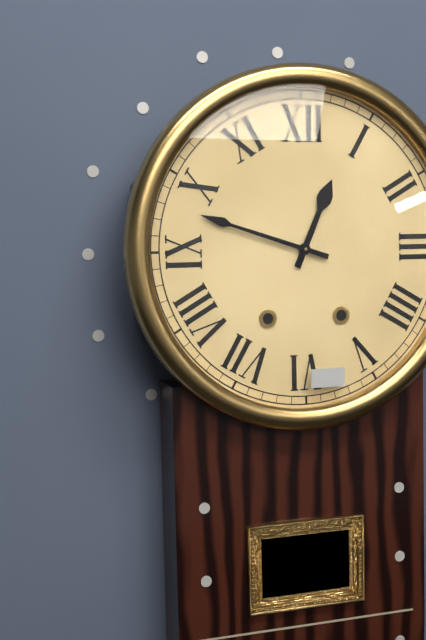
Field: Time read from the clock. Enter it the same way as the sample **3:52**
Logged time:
**12:48**
